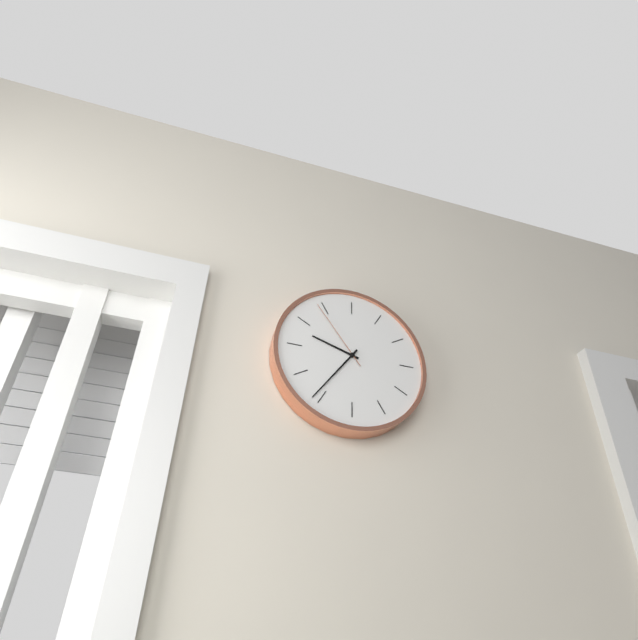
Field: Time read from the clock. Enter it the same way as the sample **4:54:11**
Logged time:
**9:36:54**
